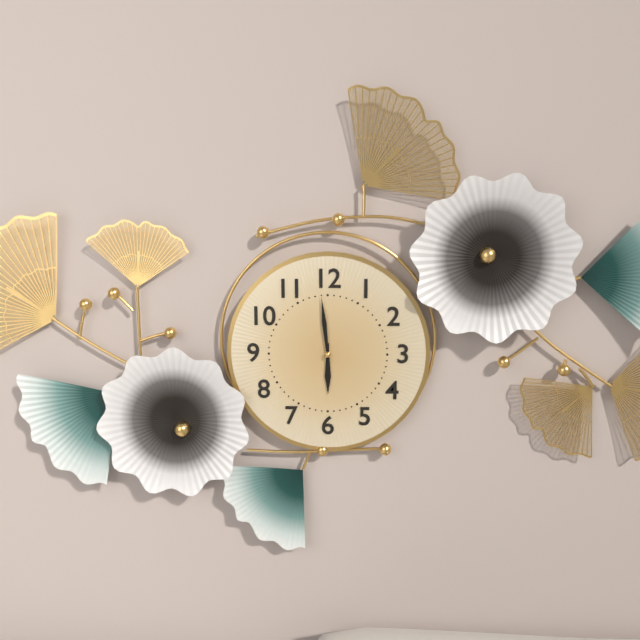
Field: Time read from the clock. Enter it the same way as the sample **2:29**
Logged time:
**5:59**
